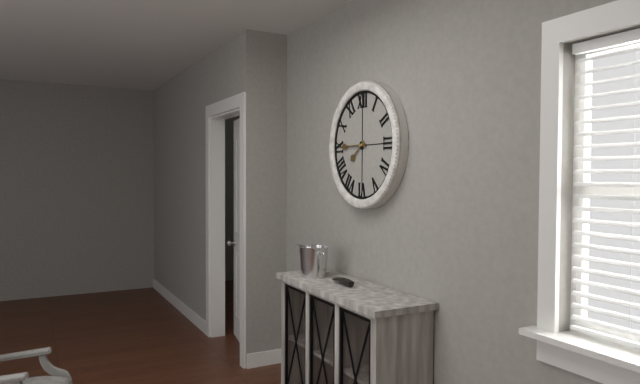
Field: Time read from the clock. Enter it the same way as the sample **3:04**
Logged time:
**7:45**
